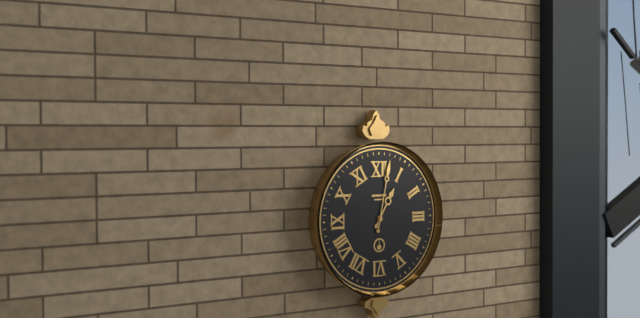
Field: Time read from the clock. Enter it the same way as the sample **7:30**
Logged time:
**1:02**
